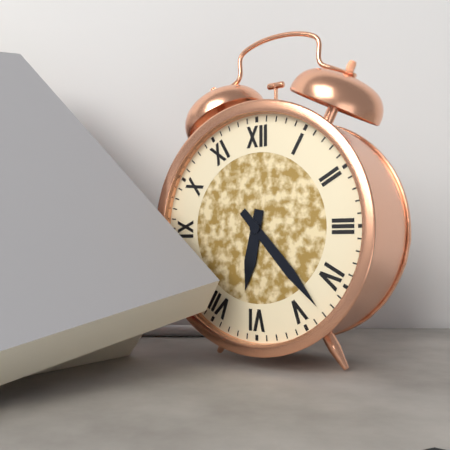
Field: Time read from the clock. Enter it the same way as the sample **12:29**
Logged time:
**6:23**
